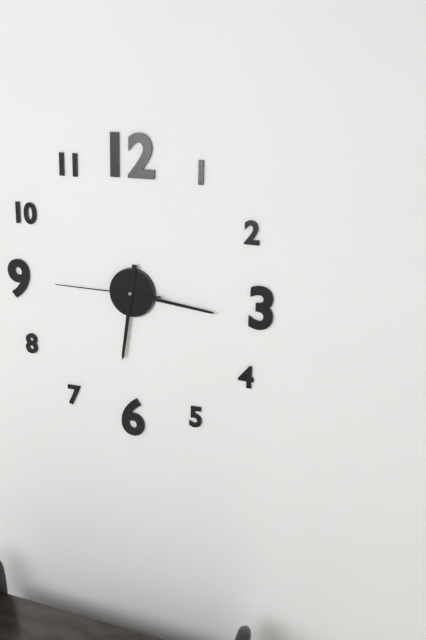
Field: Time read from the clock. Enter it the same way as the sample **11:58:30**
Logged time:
**6:16:45**
